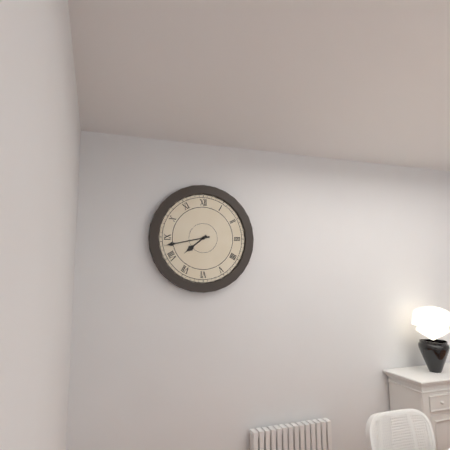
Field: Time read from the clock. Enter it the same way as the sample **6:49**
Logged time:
**7:43**
